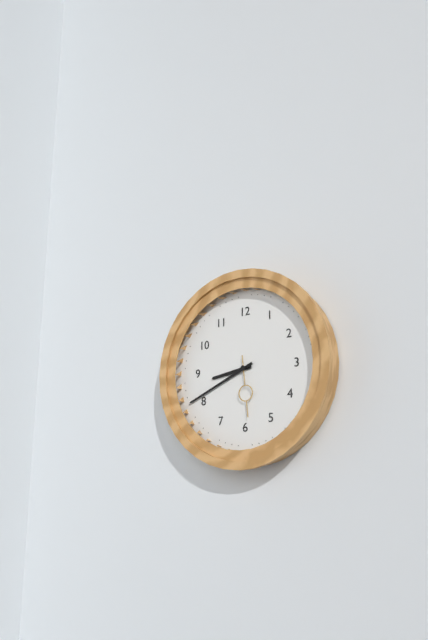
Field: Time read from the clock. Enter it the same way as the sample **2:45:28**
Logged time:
**8:41:29**
